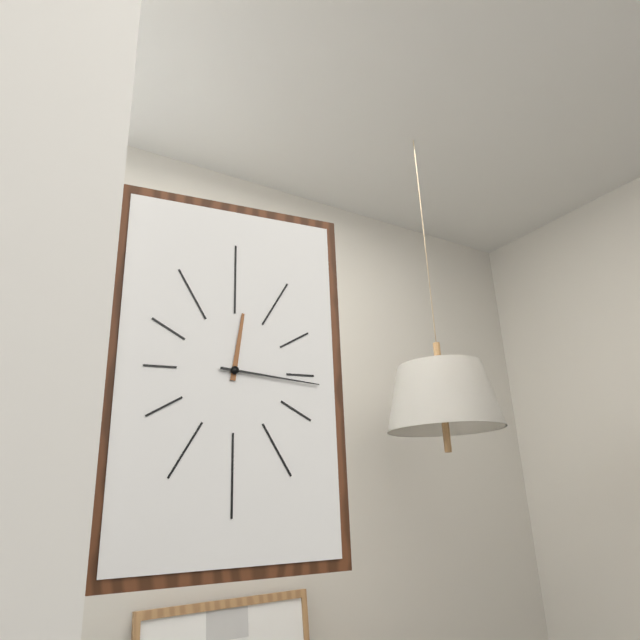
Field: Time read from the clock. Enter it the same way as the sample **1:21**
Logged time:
**12:16**
